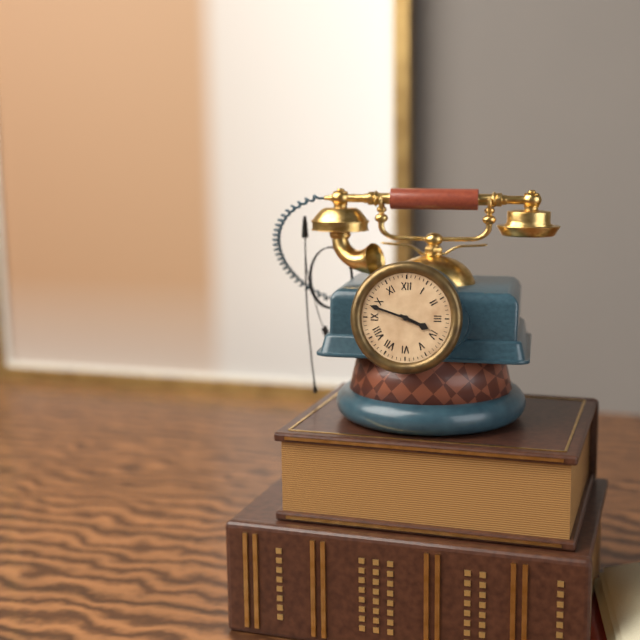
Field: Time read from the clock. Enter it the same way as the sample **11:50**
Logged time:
**3:48**
